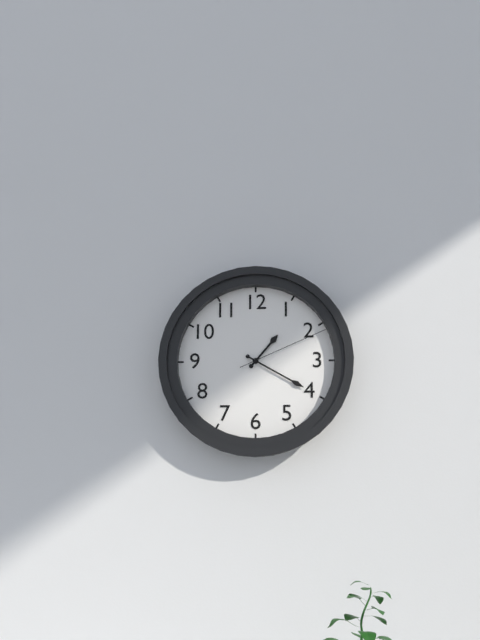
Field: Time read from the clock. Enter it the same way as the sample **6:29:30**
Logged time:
**1:20:11**
